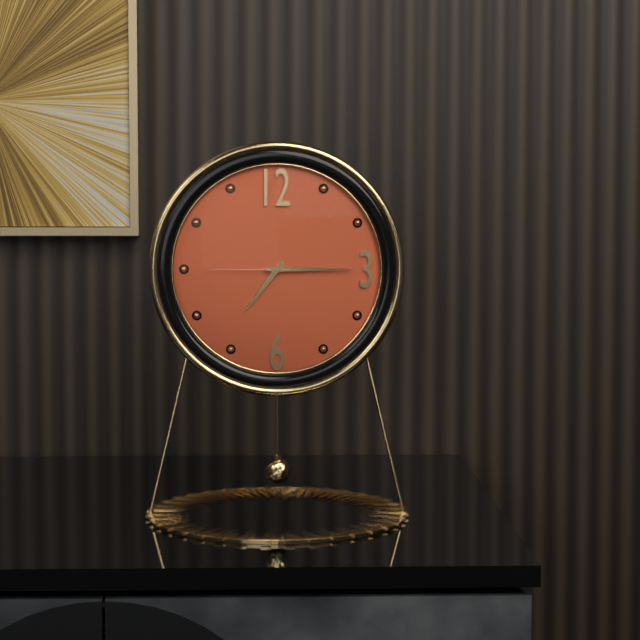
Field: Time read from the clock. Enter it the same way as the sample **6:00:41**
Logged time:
**7:15:45**
